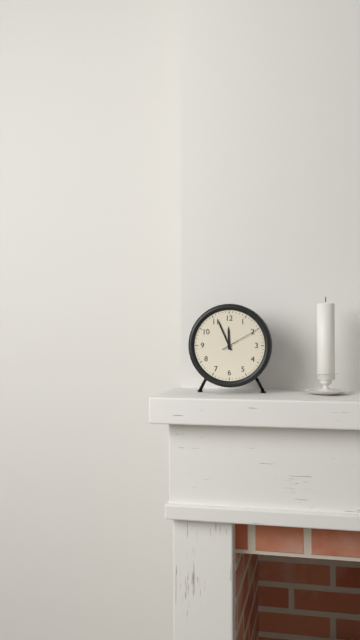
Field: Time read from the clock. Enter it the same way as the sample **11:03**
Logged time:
**11:56**
